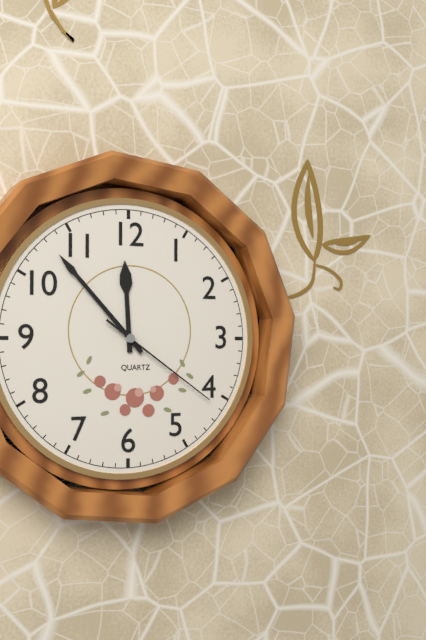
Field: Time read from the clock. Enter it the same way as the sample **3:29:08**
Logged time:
**11:53:21**
